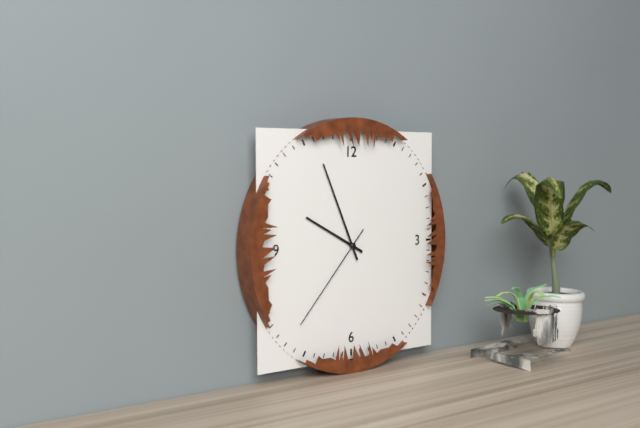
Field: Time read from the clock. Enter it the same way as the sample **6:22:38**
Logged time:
**9:56:37**
